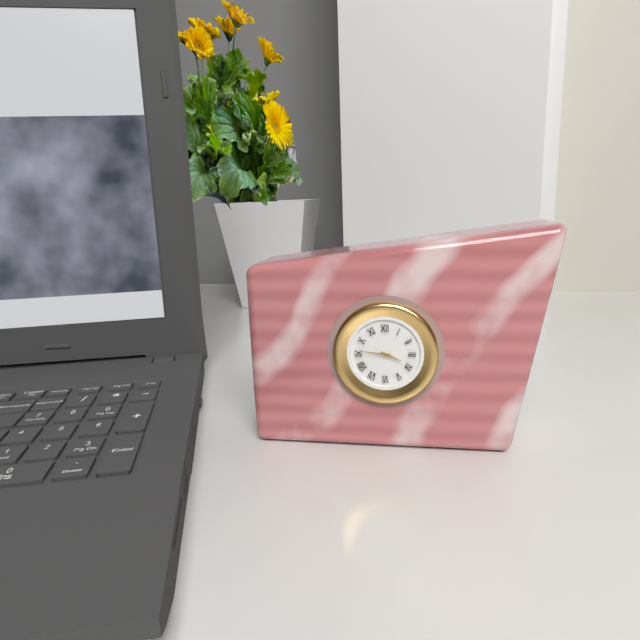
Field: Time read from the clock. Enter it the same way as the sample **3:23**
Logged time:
**3:46**
